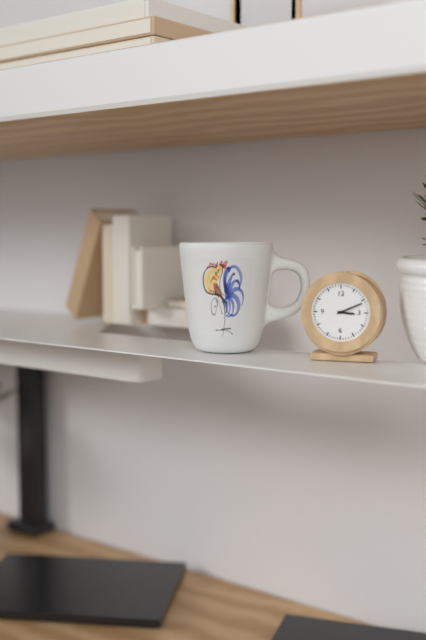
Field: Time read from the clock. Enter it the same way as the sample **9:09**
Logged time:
**3:11**
